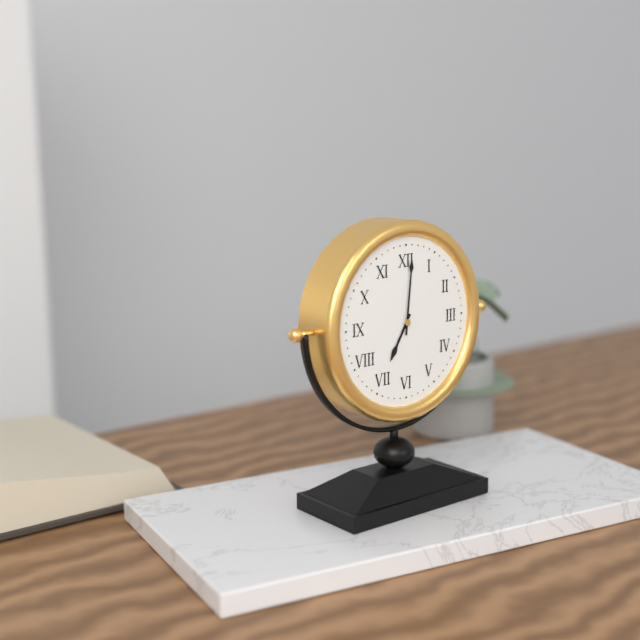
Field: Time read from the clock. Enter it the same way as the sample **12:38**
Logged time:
**7:01**
